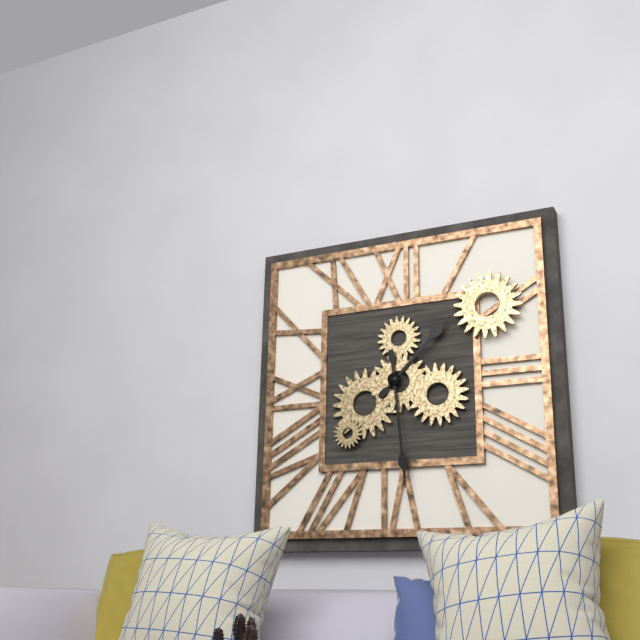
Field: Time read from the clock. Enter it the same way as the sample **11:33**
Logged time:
**1:29**
